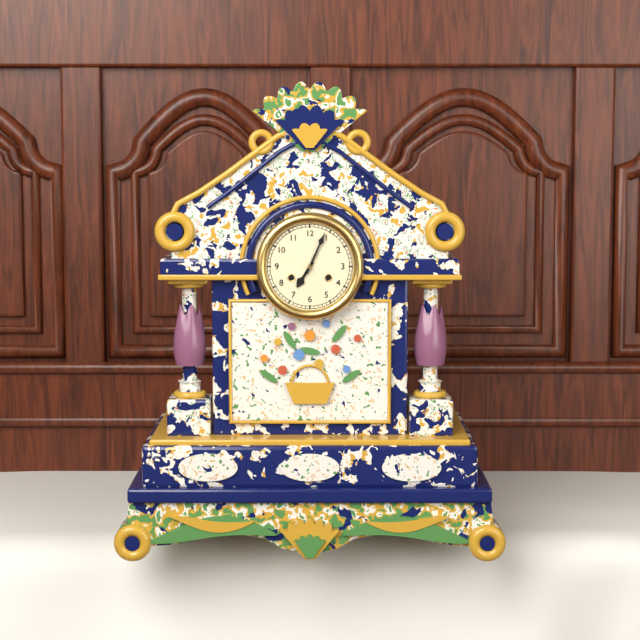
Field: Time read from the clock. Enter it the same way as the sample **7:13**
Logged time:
**7:04**
